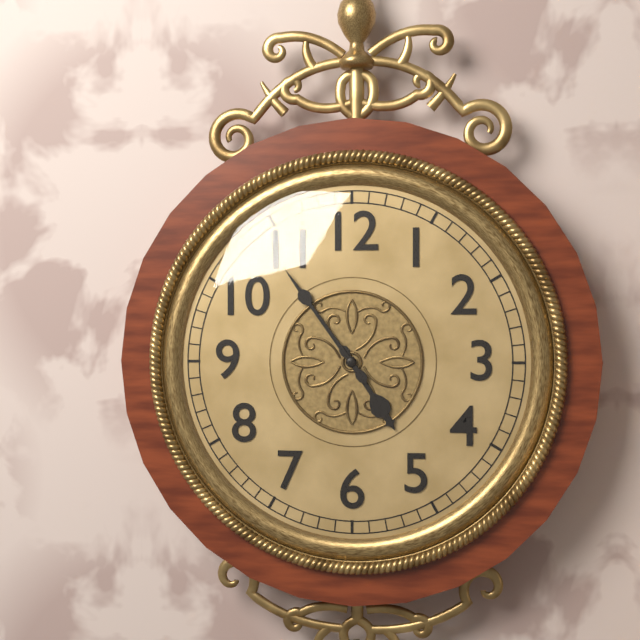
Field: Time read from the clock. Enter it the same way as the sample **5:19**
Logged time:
**4:54**
